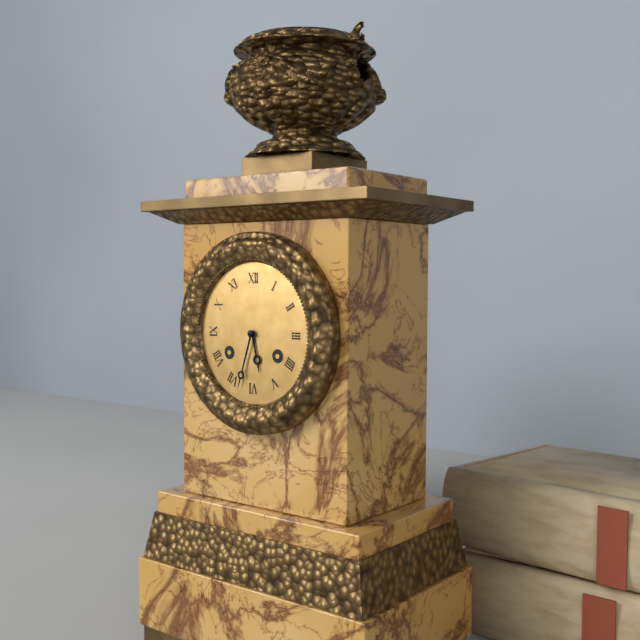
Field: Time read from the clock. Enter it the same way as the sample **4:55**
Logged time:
**5:33**
